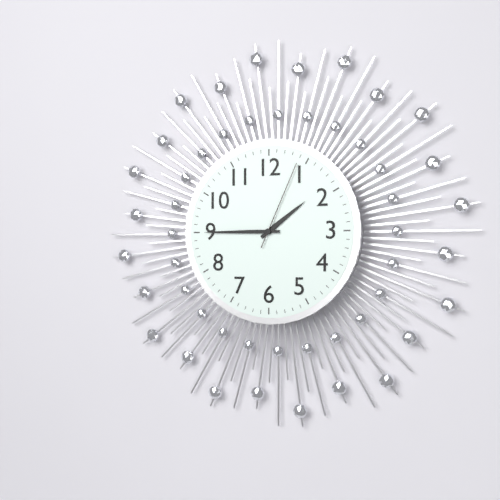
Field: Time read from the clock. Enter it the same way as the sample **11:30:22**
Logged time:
**1:45:04**
